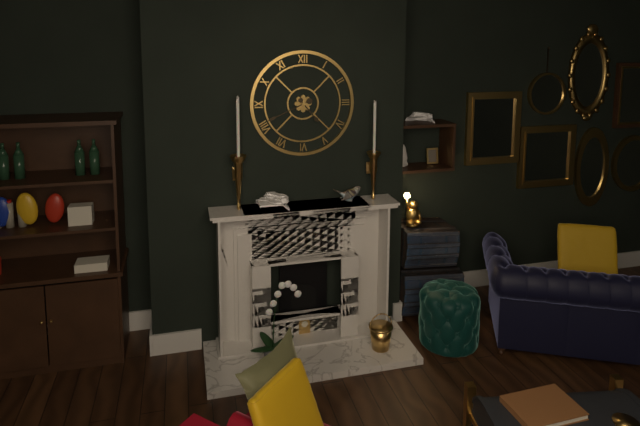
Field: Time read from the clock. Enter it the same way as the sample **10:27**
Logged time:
**4:41**
